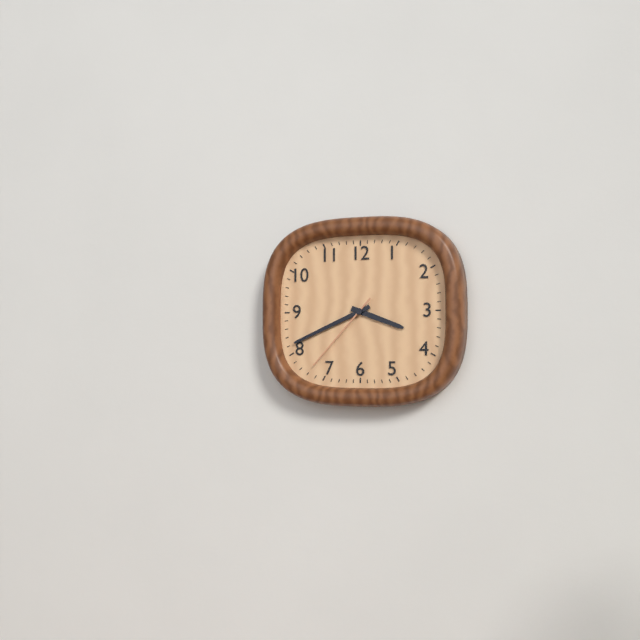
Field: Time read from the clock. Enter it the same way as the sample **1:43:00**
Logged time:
**3:41:37**
